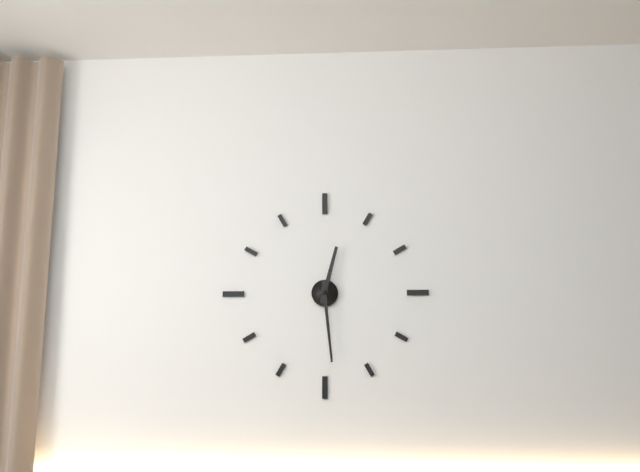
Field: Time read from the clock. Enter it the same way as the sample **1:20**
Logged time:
**12:29**
